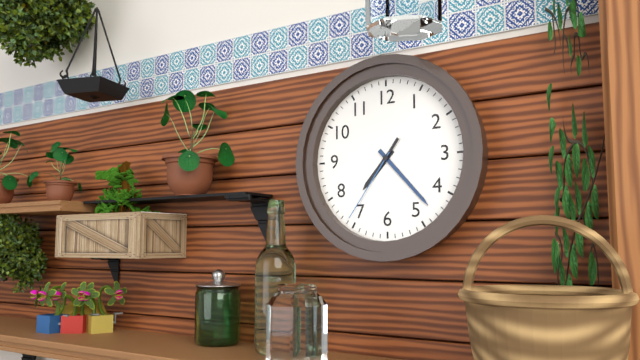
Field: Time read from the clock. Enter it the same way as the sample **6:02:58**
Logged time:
**7:23:36**
